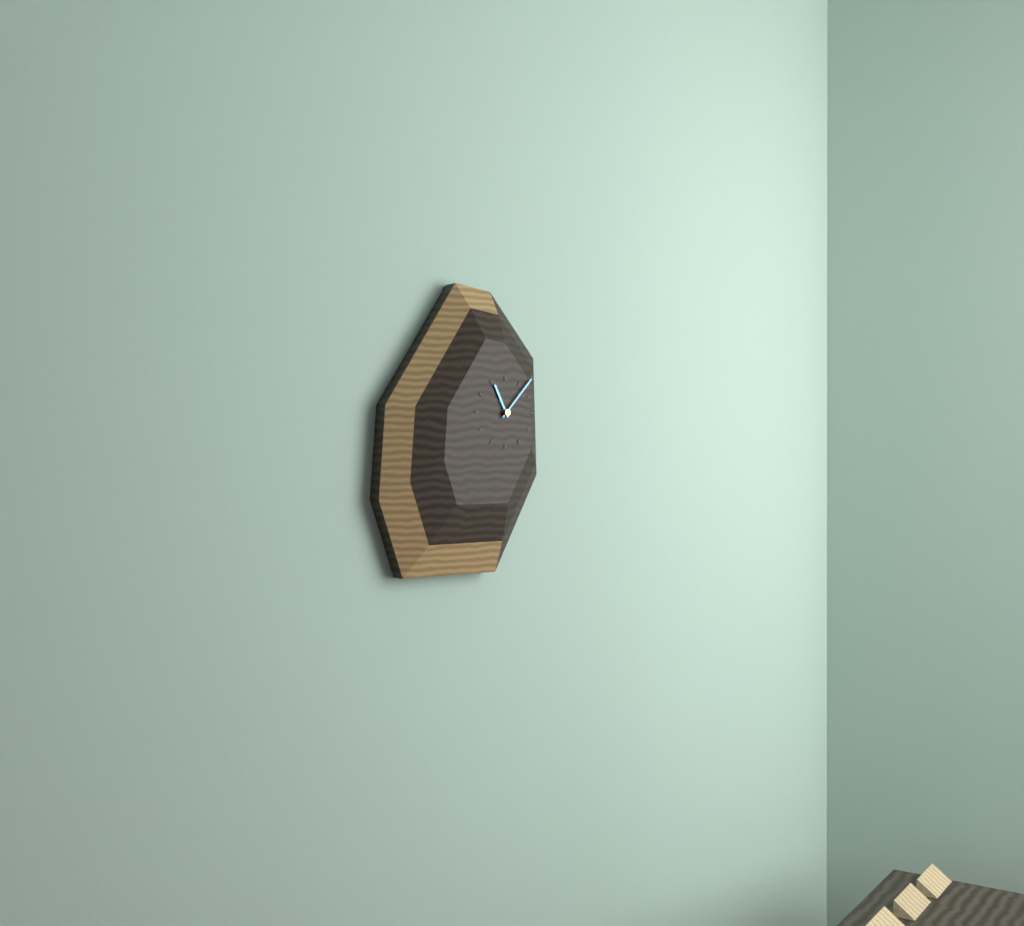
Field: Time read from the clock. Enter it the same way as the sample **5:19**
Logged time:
**11:07**
